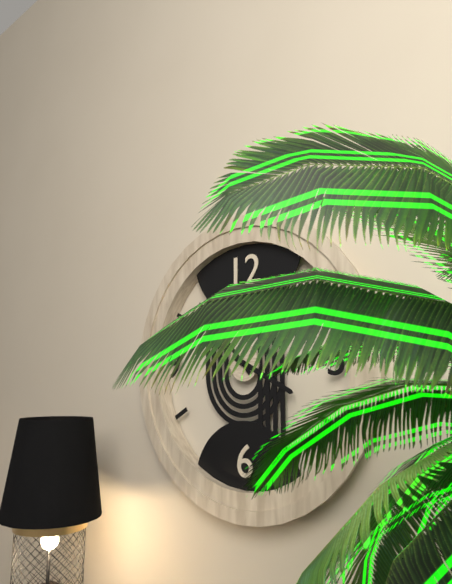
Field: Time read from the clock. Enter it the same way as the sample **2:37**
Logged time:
**3:53**
